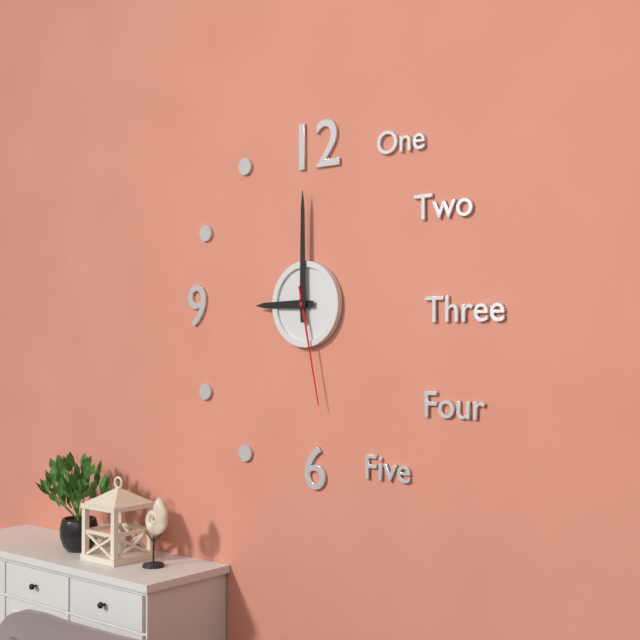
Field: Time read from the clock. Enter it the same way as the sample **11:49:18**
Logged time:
**9:00:28**
